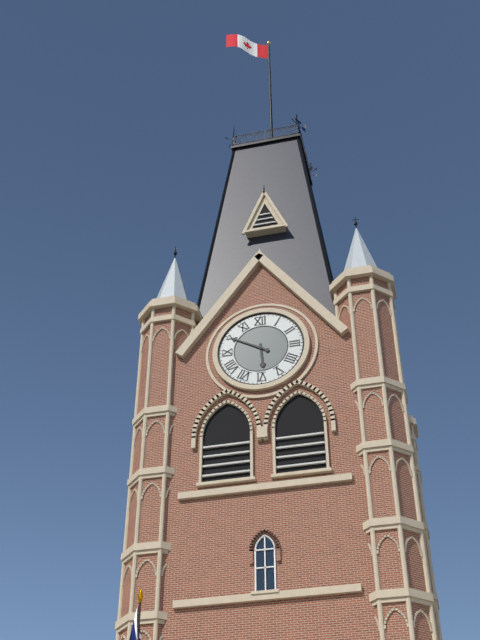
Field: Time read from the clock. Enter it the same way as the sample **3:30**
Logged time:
**5:50**
